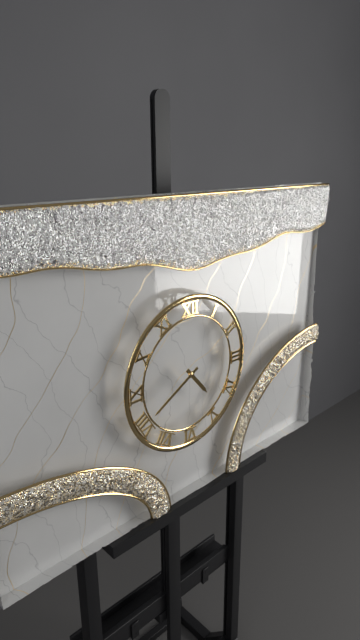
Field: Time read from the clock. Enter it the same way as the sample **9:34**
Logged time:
**4:40**
